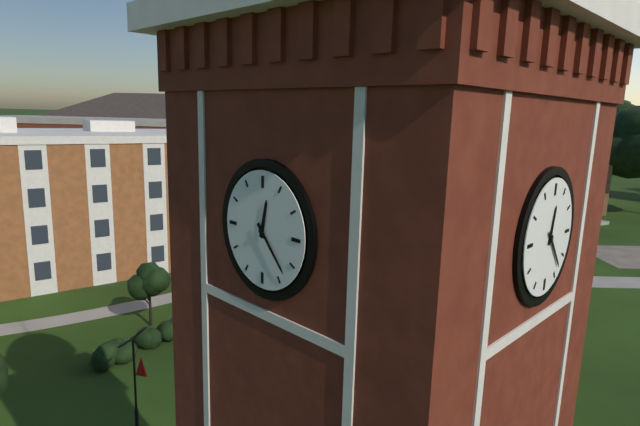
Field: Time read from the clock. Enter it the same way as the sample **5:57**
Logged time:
**12:23**
